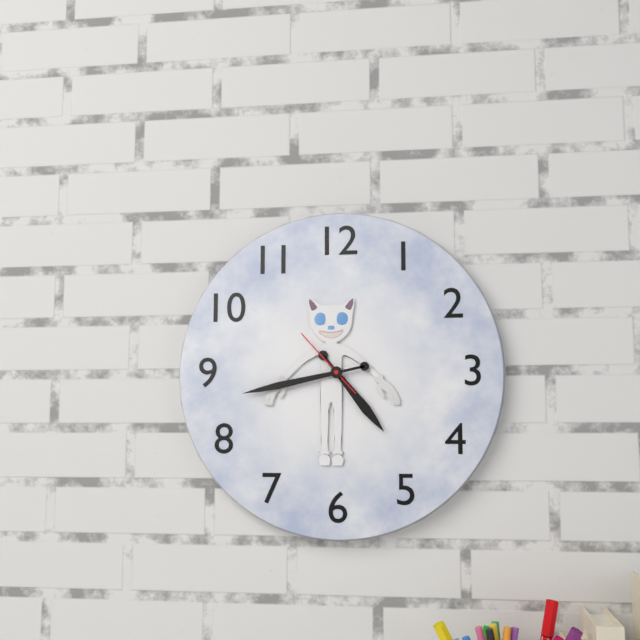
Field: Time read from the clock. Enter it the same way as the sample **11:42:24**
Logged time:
**4:43:53**
